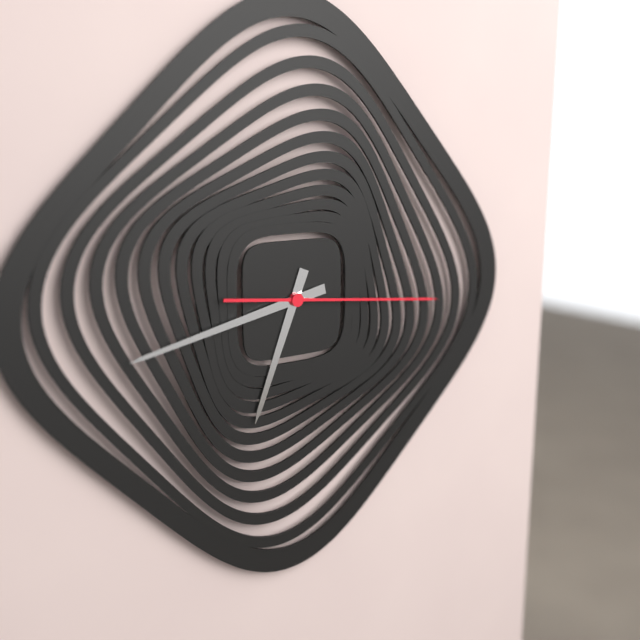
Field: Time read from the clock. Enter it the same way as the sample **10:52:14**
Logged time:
**6:43:16**
